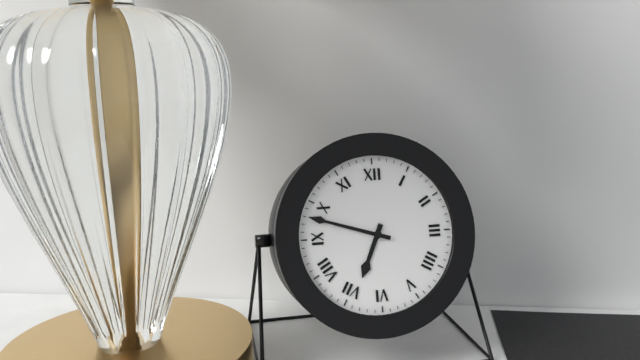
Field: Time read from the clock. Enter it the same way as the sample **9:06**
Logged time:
**6:48**
